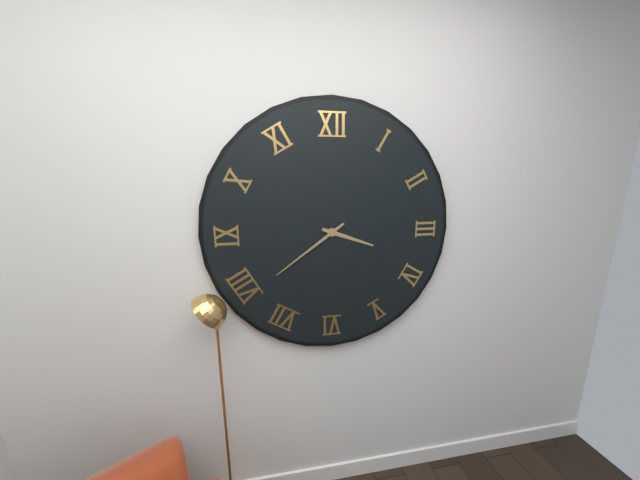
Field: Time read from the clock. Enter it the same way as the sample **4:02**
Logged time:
**3:39**
